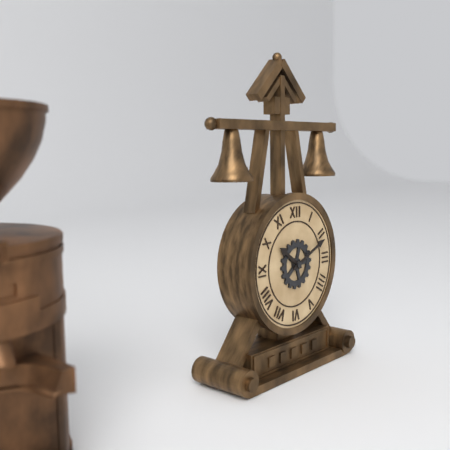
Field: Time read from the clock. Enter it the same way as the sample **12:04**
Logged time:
**10:11**
